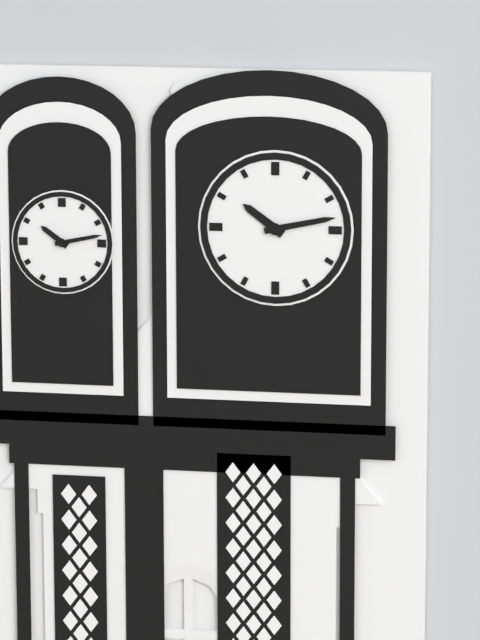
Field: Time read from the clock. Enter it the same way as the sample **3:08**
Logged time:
**10:13**
